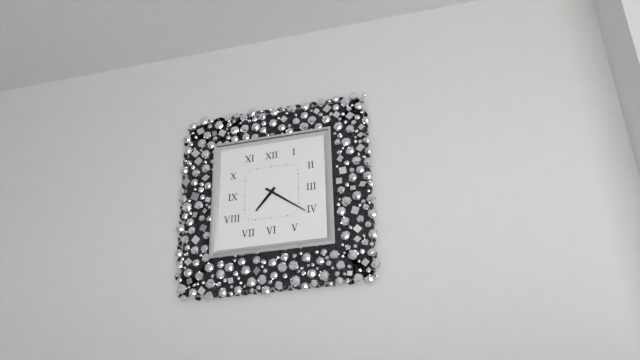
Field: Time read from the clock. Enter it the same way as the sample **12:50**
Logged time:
**7:21**
